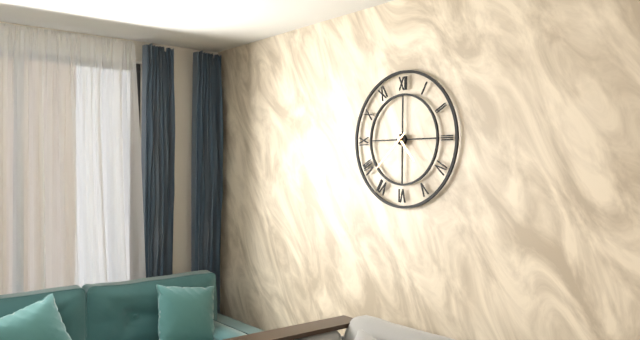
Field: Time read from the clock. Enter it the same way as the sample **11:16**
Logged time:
**4:38**
